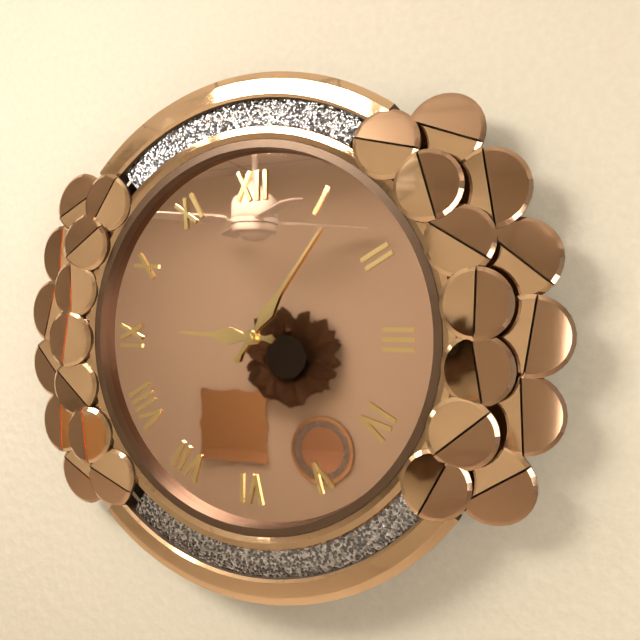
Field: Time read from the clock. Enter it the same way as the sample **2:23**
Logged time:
**9:06**
